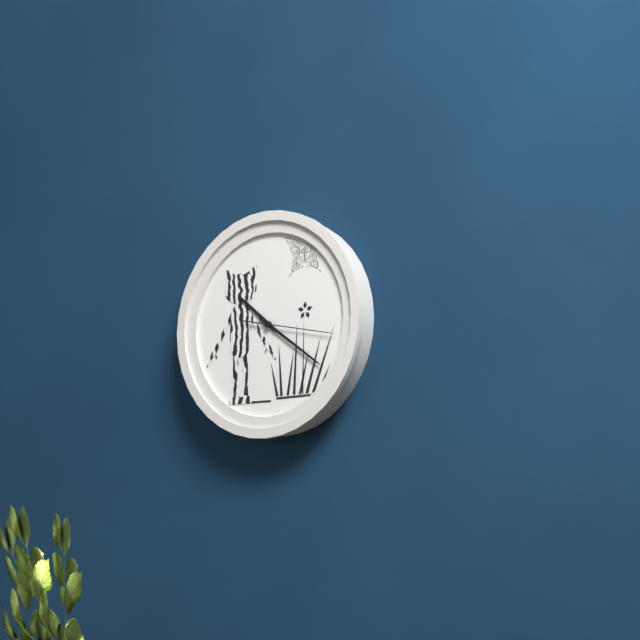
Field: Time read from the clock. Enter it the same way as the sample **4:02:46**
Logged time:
**10:21:17**
